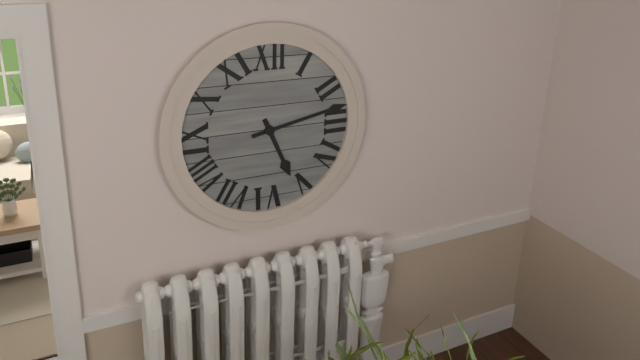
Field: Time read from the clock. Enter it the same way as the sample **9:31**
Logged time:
**5:13**
